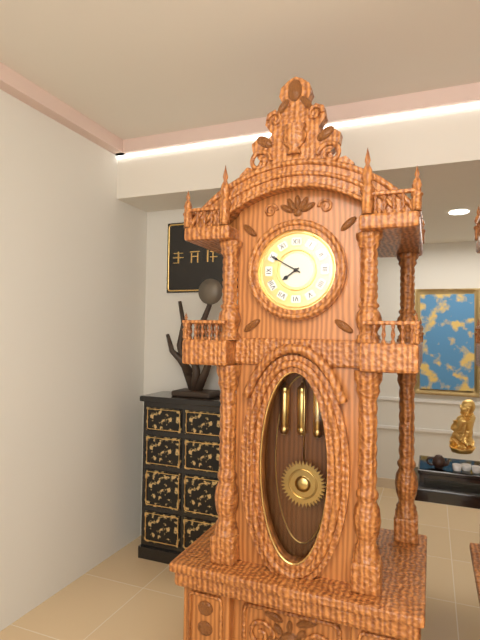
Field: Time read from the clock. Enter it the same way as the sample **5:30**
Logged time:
**7:50**
